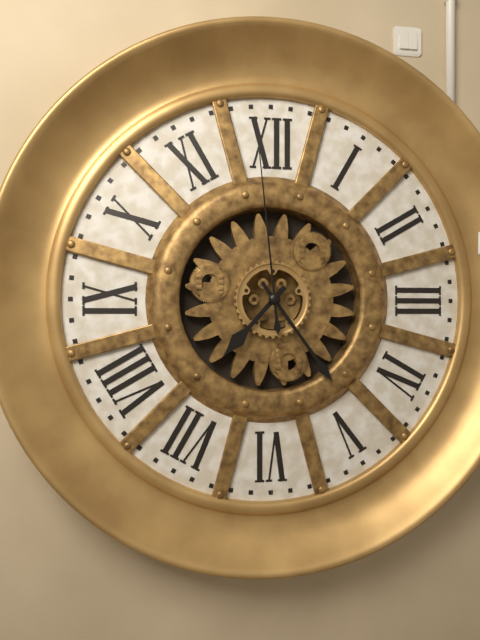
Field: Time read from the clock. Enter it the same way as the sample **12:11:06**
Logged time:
**7:24:59**
